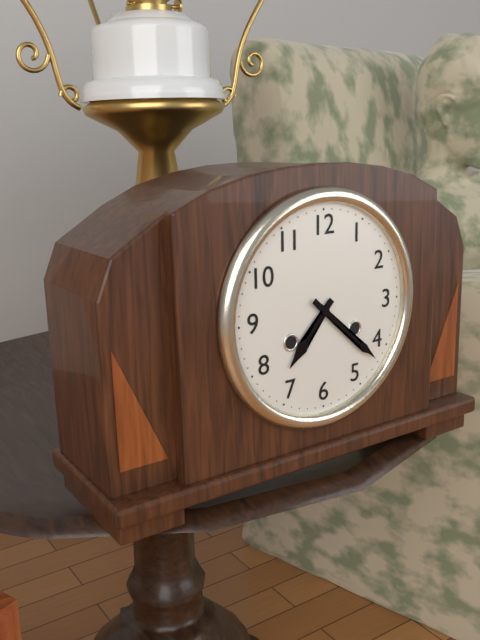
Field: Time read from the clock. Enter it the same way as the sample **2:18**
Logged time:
**7:22**
